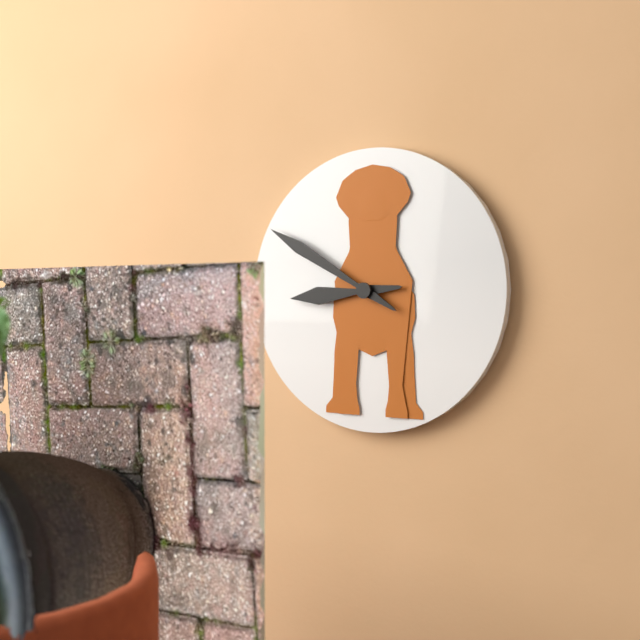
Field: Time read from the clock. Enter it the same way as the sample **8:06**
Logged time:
**8:50**
